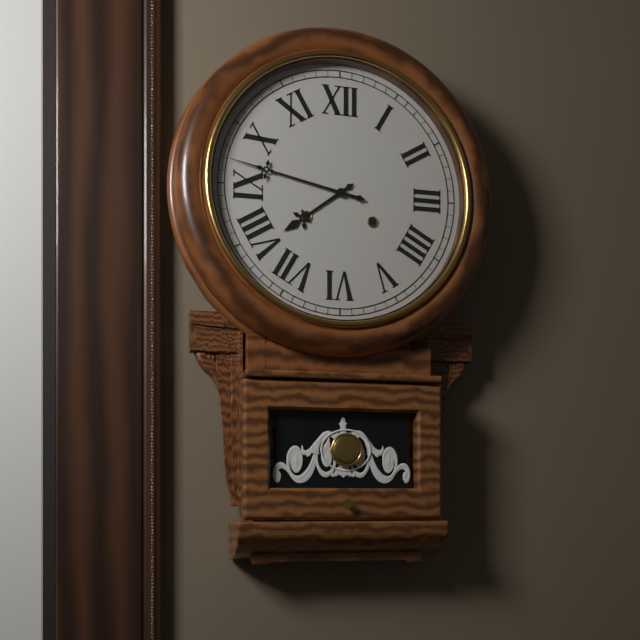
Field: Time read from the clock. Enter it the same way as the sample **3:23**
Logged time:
**7:47**
